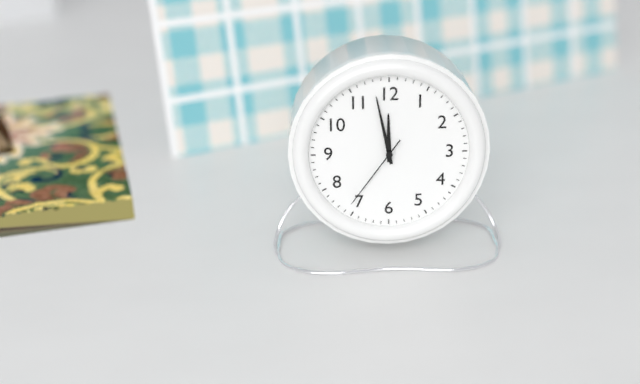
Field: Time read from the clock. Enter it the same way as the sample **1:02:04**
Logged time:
**11:58:36**
